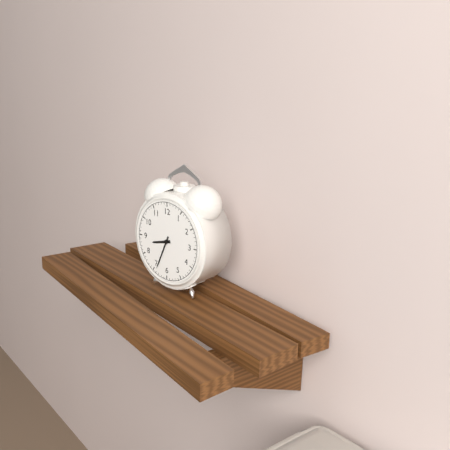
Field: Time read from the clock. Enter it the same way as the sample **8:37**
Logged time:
**8:34**
